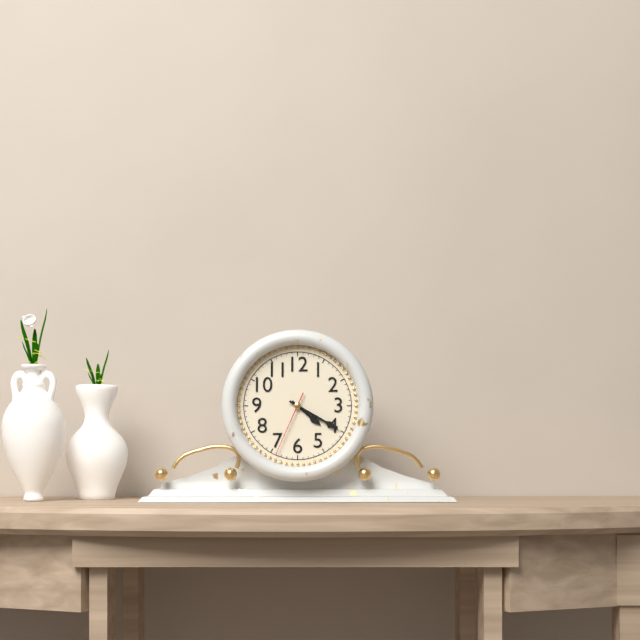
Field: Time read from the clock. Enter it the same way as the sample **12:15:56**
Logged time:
**4:20:34**
